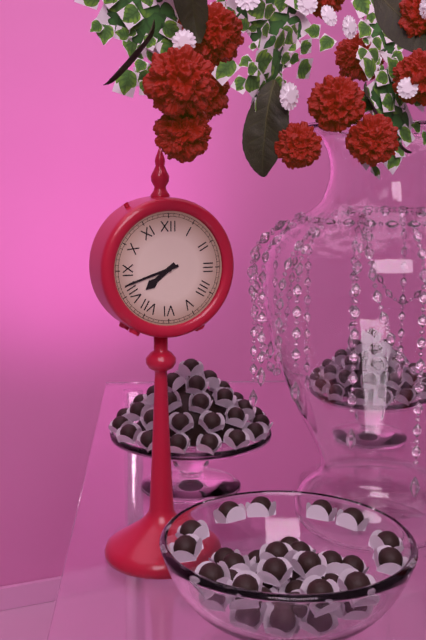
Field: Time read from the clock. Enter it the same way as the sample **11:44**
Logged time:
**7:42**
